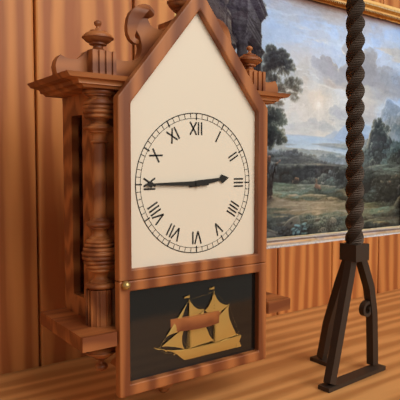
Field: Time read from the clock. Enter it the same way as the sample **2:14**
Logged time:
**2:45**
